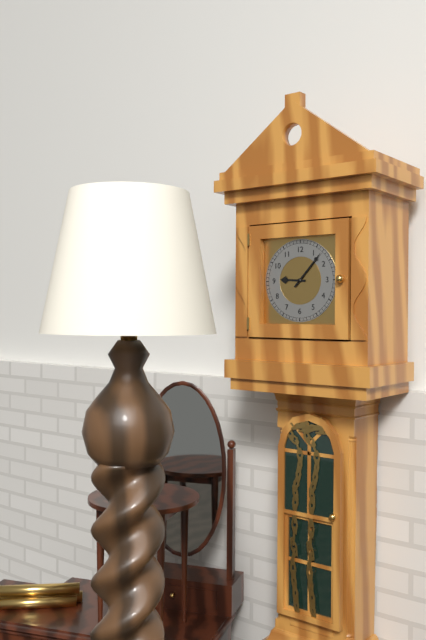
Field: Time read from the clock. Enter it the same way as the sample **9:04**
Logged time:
**9:07**
